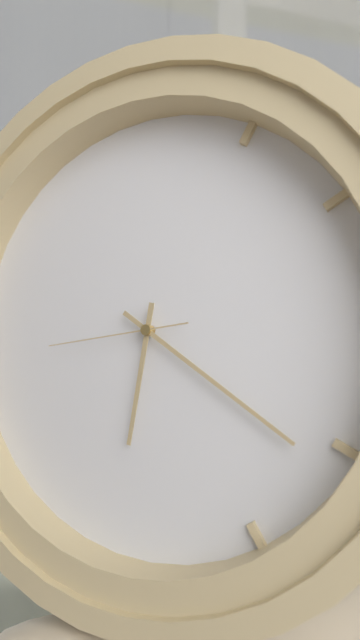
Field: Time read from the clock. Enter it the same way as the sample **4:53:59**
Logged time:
**6:21:44**
